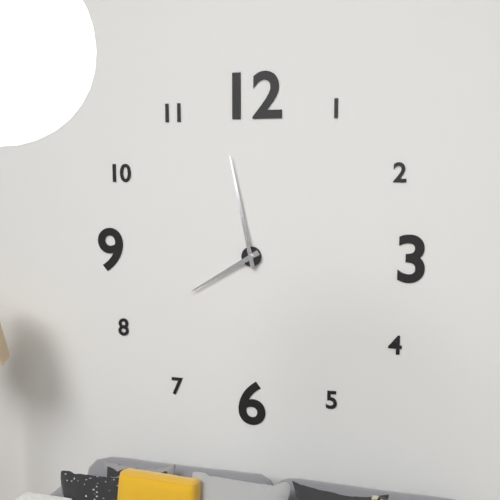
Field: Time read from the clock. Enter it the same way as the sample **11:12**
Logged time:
**7:58**
